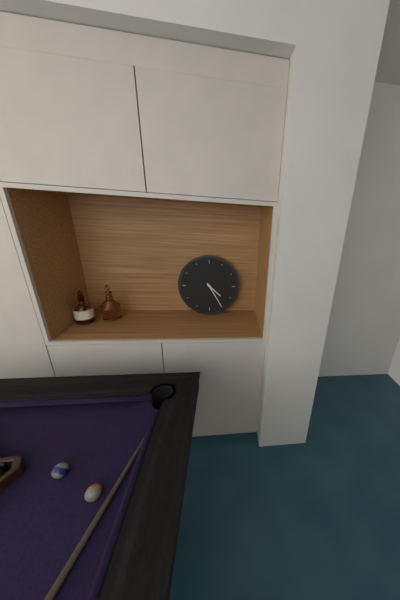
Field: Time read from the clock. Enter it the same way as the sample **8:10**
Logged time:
**4:25**
